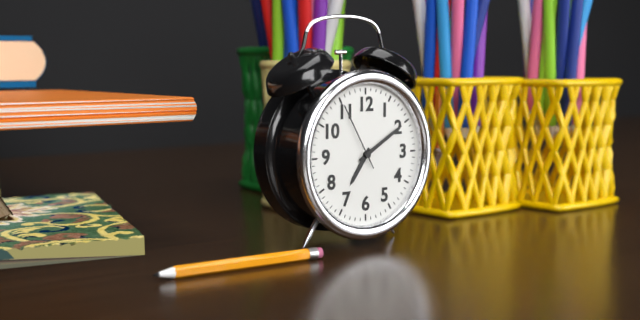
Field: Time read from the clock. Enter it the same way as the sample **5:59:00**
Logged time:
**7:10:55**
